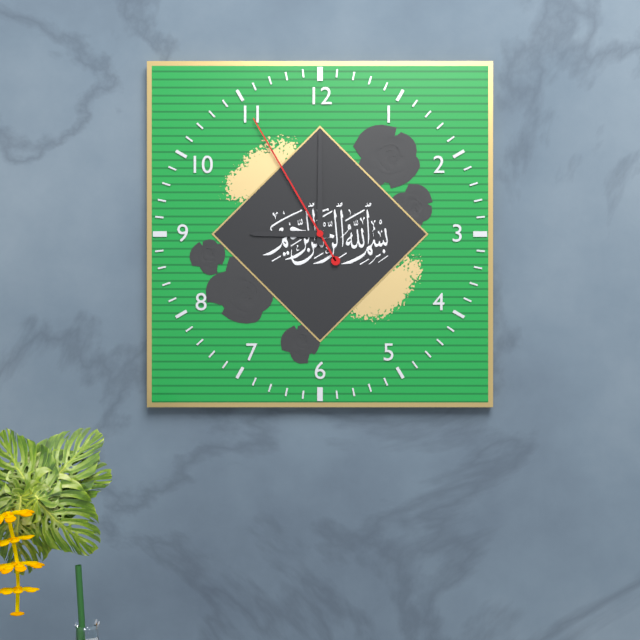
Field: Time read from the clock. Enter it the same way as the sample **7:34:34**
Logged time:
**9:00:55**
